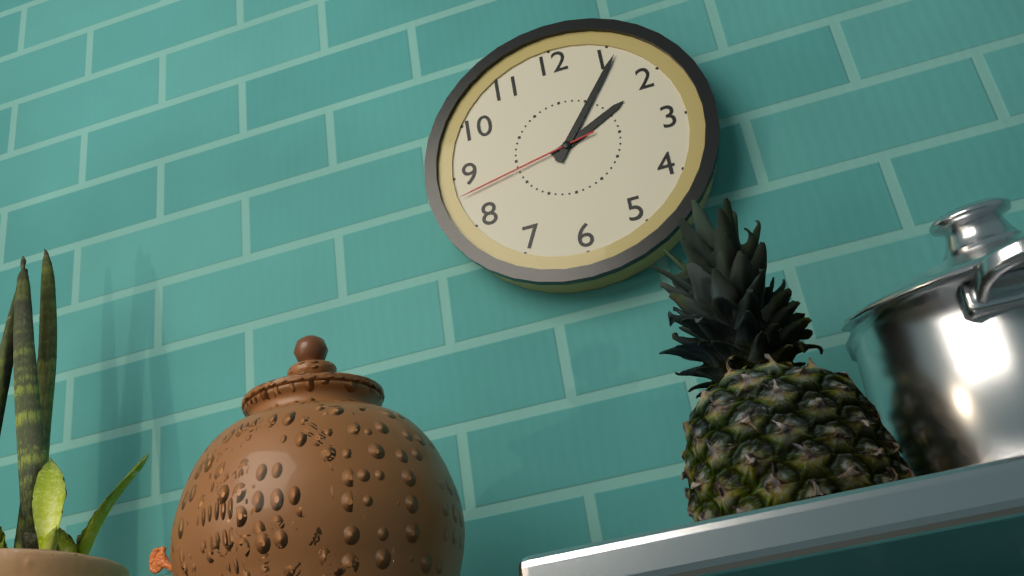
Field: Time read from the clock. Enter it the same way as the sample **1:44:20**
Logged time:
**2:06:43**
